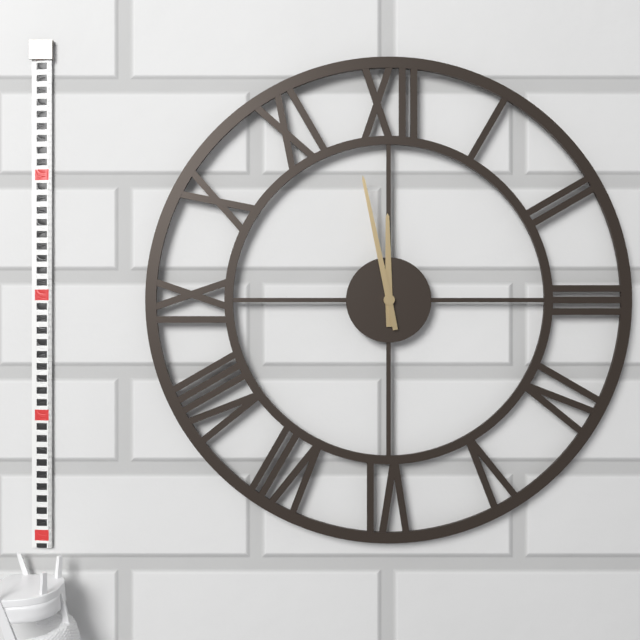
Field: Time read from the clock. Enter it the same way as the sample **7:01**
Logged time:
**11:58**
